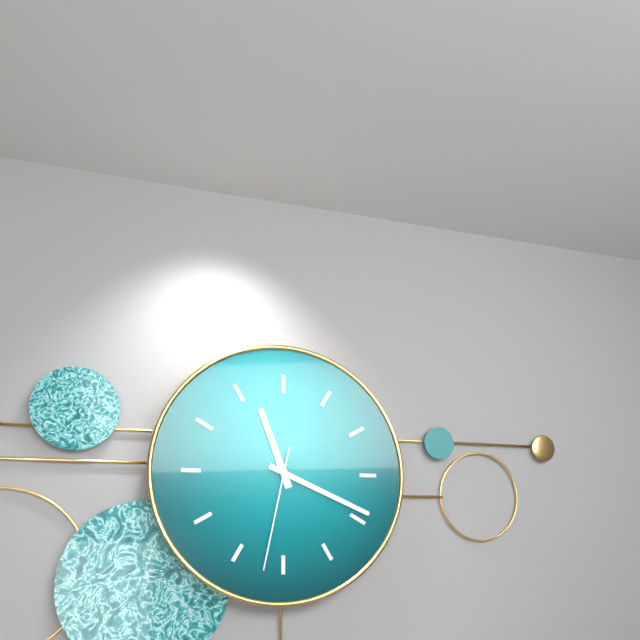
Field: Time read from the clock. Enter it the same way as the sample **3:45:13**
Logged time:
**11:19:32**
